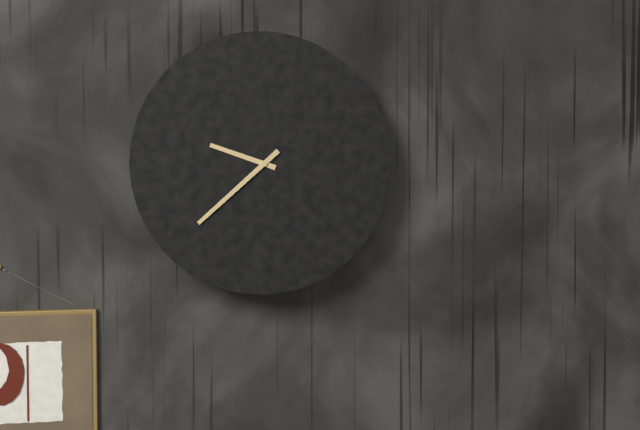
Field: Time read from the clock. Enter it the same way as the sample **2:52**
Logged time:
**9:38**
